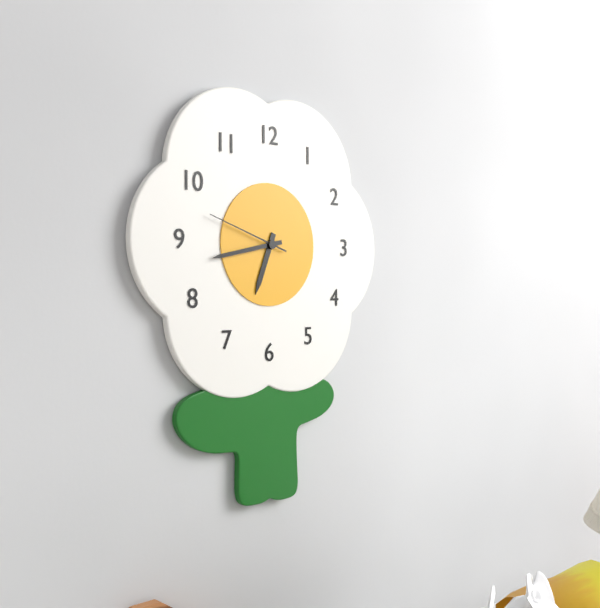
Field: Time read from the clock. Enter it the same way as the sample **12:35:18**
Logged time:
**6:43:48**
